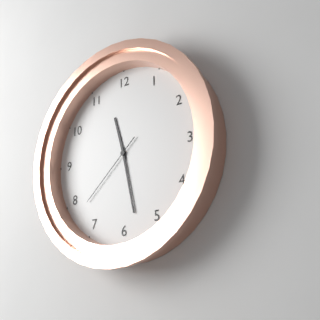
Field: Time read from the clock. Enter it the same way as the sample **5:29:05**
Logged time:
**11:28:38**
